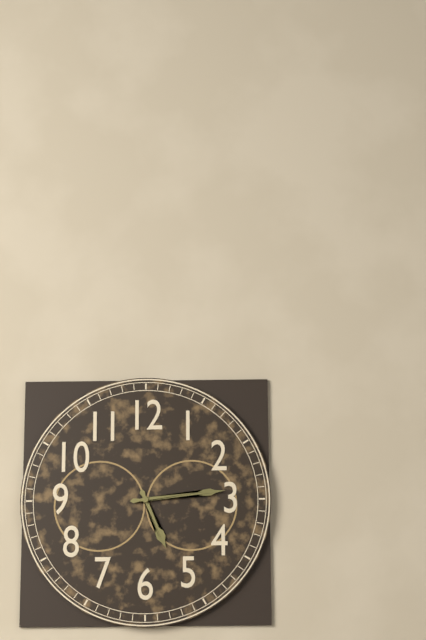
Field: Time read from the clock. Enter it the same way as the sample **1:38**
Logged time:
**5:14**
